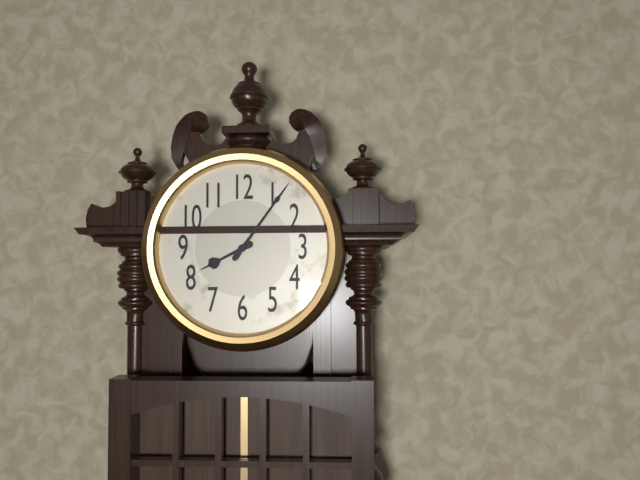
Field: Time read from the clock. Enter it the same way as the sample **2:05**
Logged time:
**8:06**
